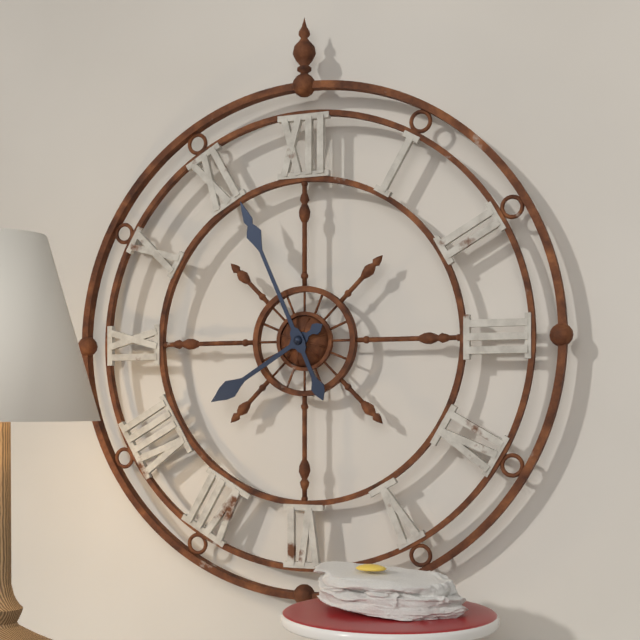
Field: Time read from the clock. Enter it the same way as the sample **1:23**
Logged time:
**7:56**
